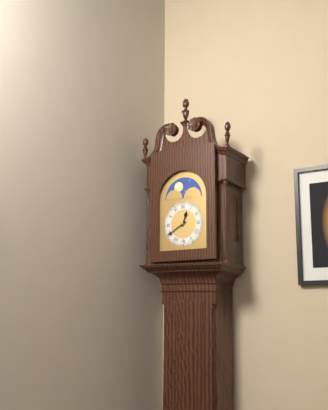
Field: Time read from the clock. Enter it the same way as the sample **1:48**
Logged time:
**12:40**
